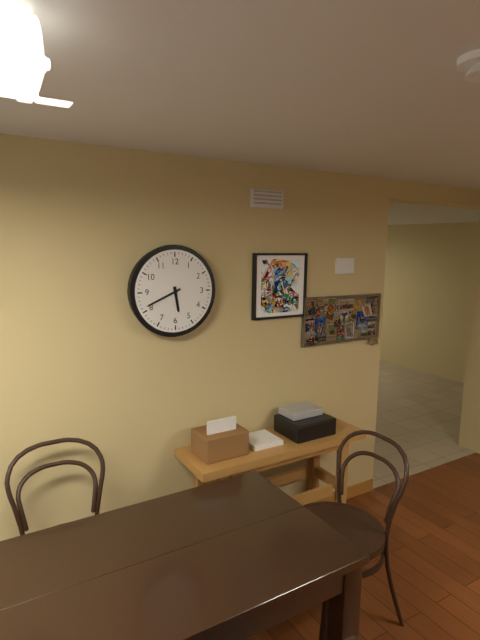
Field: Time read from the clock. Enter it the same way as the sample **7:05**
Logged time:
**5:41**
